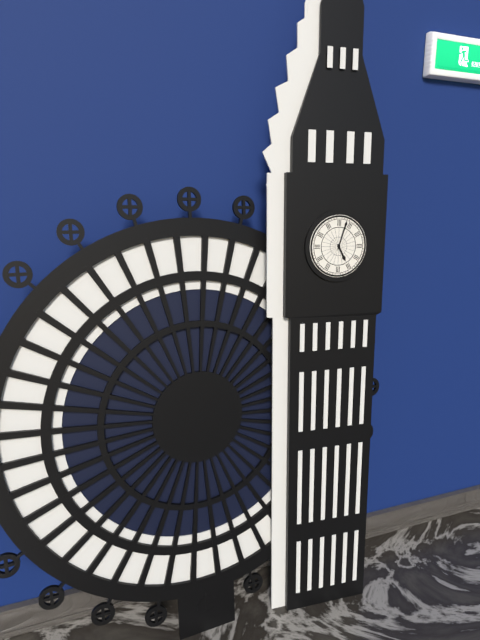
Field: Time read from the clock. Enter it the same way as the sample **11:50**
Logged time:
**5:03**
